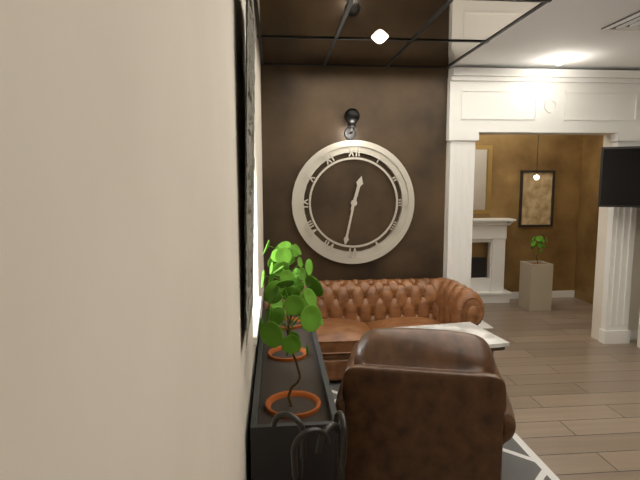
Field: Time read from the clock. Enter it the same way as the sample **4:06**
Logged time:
**12:32**
